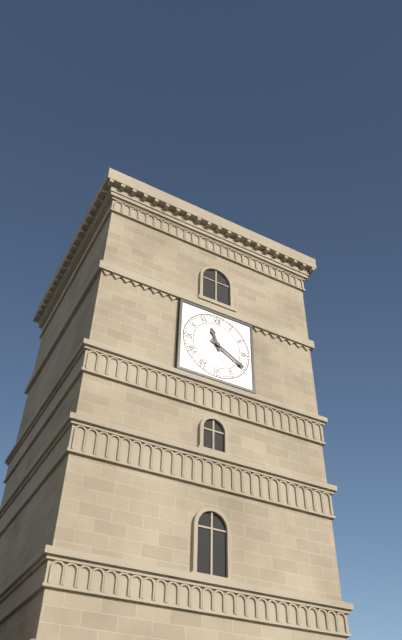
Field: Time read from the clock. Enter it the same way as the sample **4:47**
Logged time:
**11:20**
